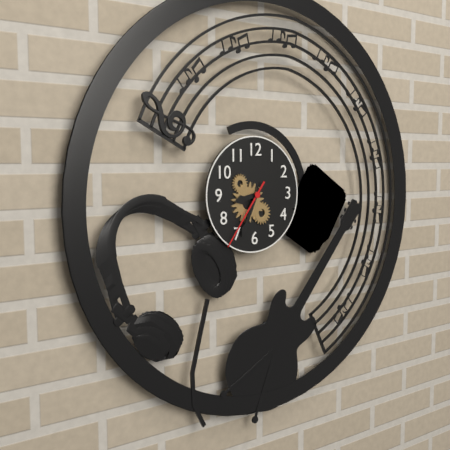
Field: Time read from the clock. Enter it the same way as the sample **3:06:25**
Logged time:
**8:34:36**
